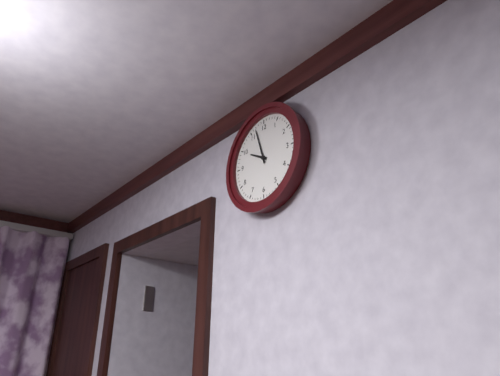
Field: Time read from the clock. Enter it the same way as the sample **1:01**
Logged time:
**9:57**
